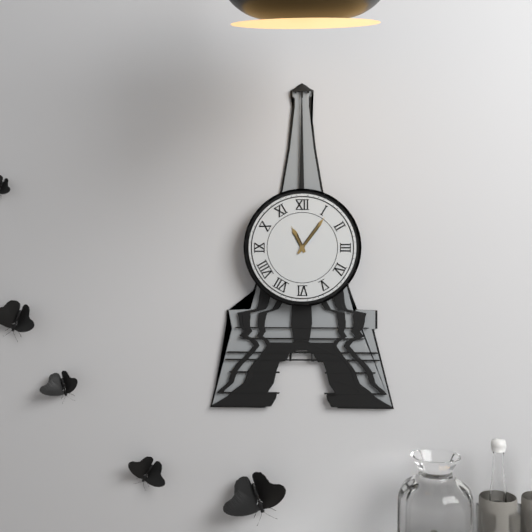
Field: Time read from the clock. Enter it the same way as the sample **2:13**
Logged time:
**11:06**
